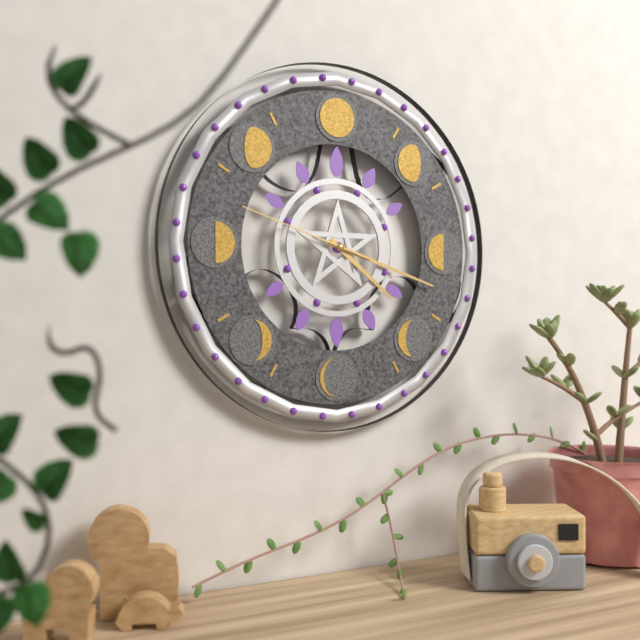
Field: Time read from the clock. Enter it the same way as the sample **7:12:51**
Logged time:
**4:18:48**
